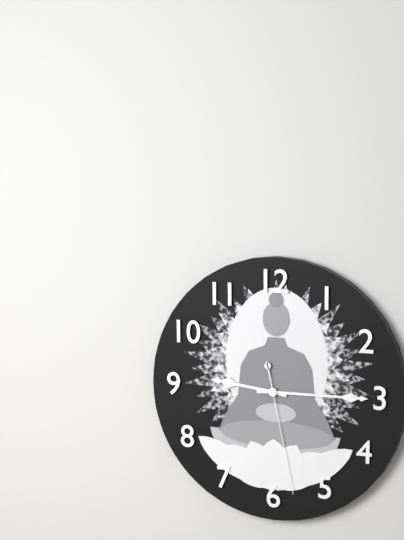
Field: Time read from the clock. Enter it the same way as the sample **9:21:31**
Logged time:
**9:15:28**
